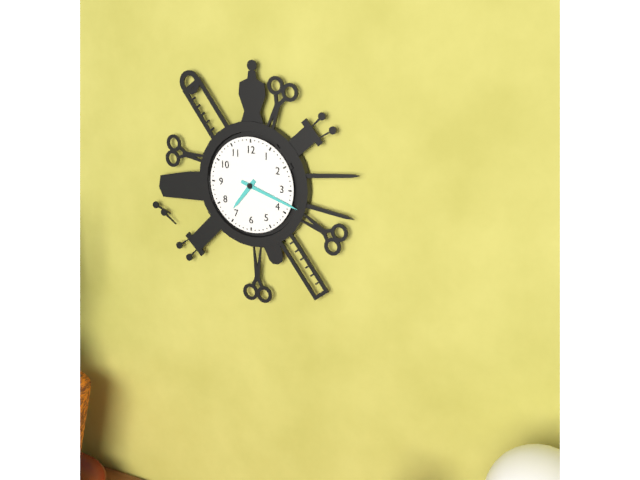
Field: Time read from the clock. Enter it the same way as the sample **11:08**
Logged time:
**7:18**
